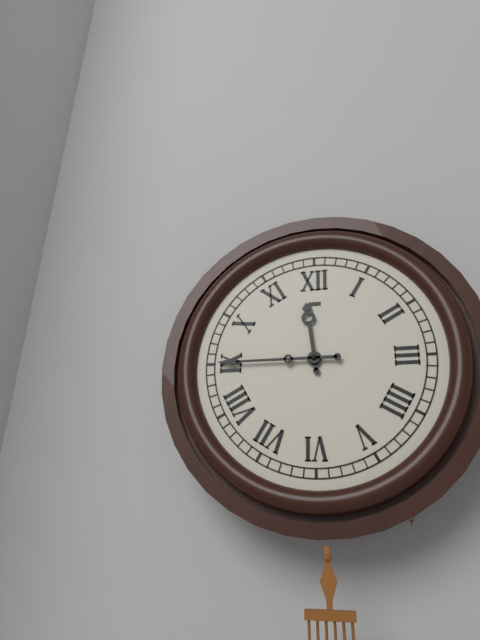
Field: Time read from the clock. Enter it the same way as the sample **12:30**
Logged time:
**11:45**
